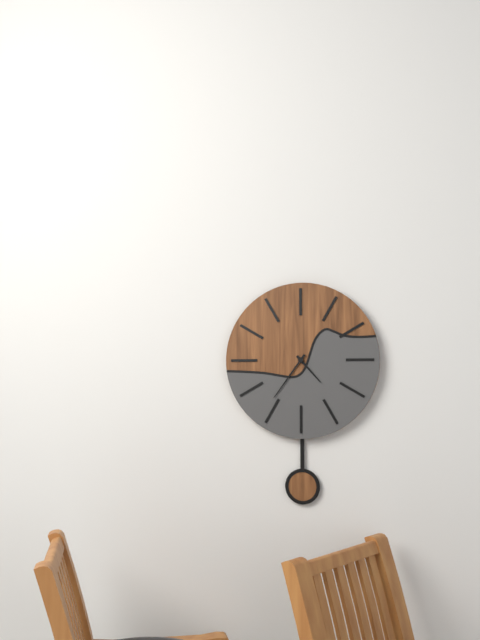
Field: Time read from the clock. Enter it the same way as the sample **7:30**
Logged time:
**4:36**
